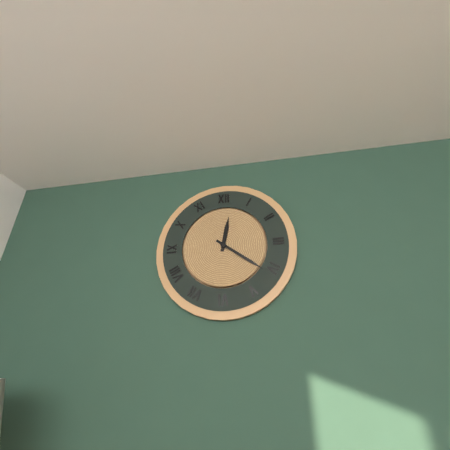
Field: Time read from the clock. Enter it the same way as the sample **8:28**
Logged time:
**12:21**
